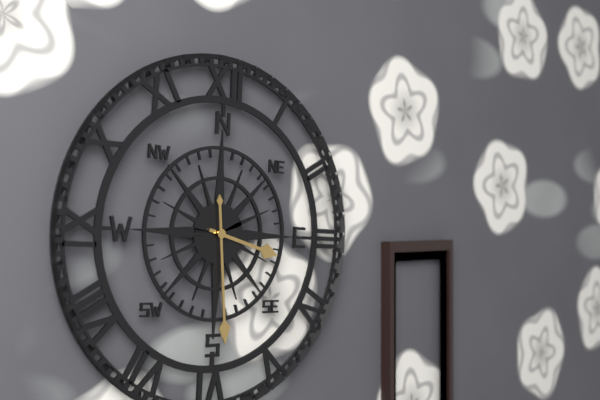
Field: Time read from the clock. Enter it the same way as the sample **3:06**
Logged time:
**3:29**
